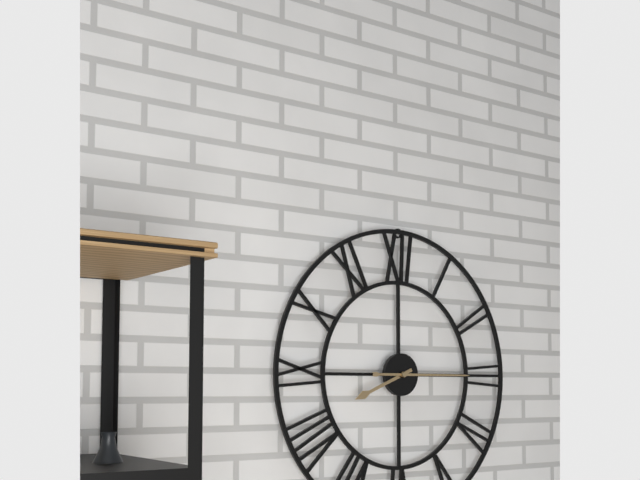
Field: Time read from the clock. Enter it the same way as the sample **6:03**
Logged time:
**8:15**
